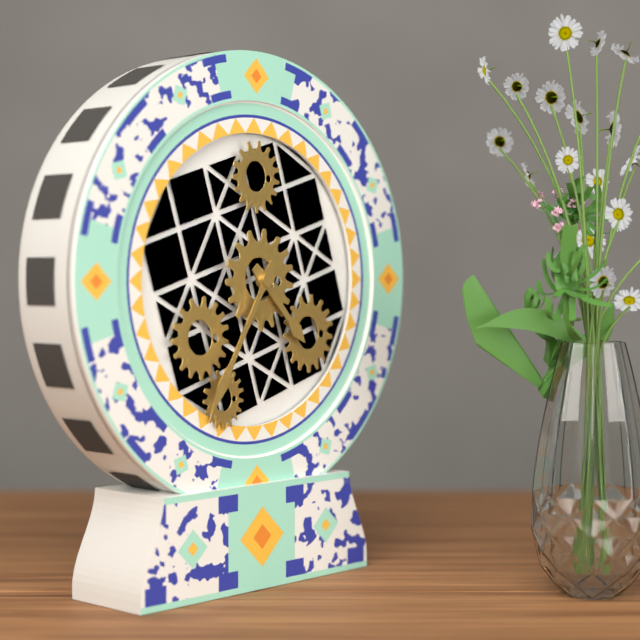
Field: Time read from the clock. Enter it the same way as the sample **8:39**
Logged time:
**4:35**
